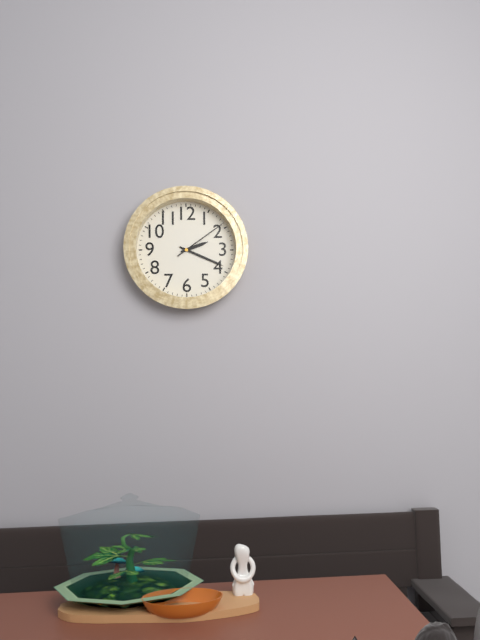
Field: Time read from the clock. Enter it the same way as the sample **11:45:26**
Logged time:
**2:19:09**
